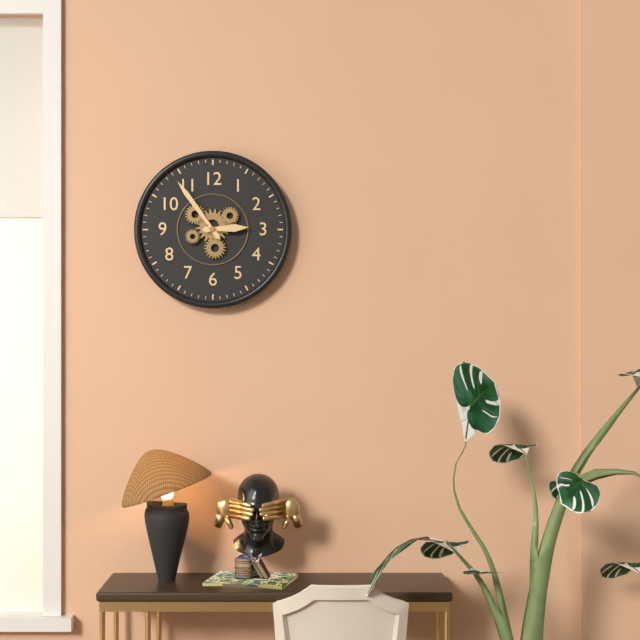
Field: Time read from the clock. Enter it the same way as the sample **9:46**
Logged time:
**2:54**
